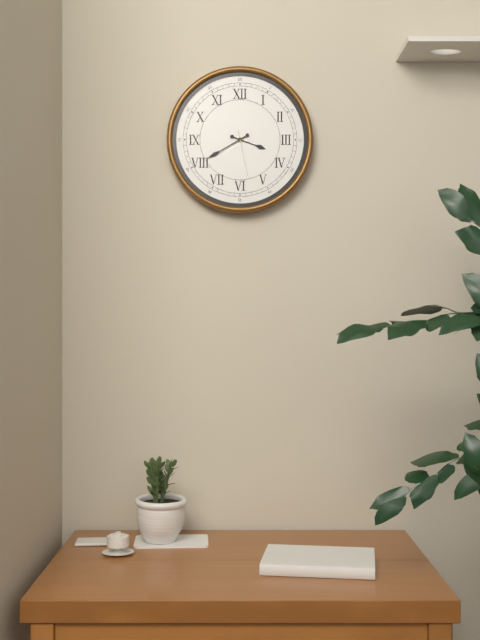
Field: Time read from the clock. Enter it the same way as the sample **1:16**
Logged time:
**3:40**
